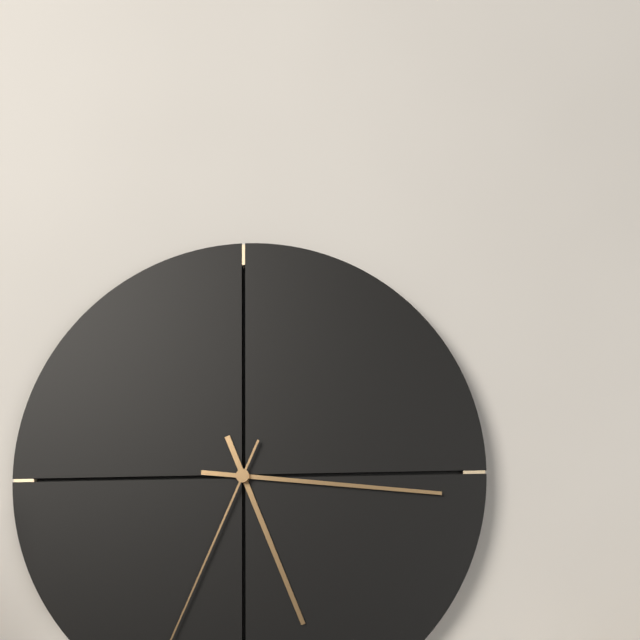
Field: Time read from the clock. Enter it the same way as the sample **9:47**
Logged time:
**5:16**
